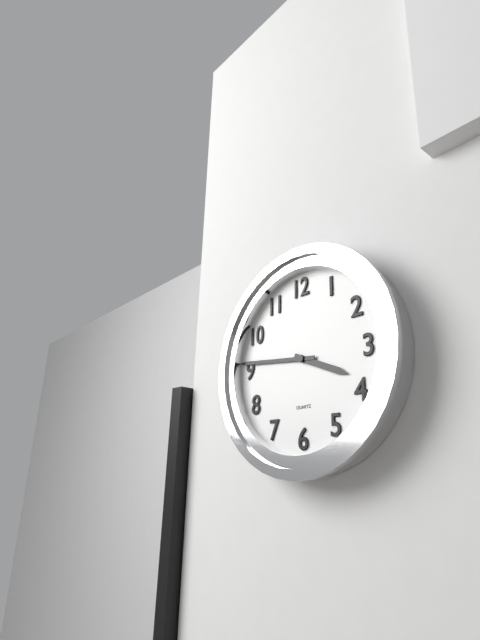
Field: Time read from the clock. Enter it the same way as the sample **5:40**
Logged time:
**3:46**
